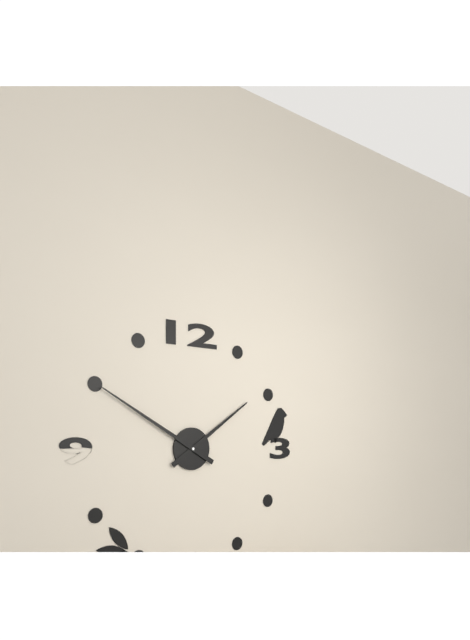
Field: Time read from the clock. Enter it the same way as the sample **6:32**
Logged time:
**1:50**
